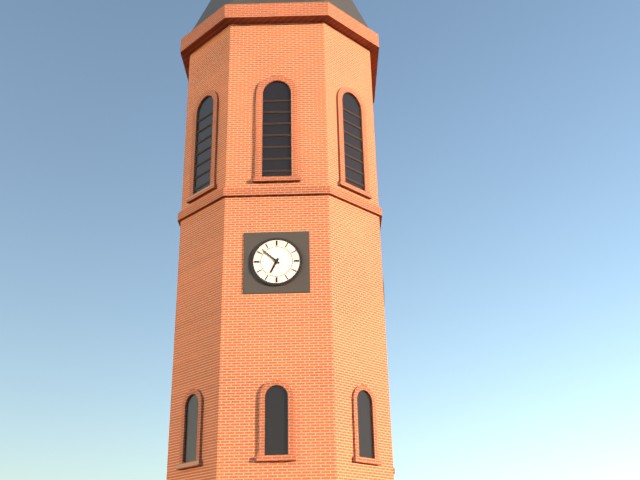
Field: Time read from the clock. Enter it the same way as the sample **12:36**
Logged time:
**6:52**
